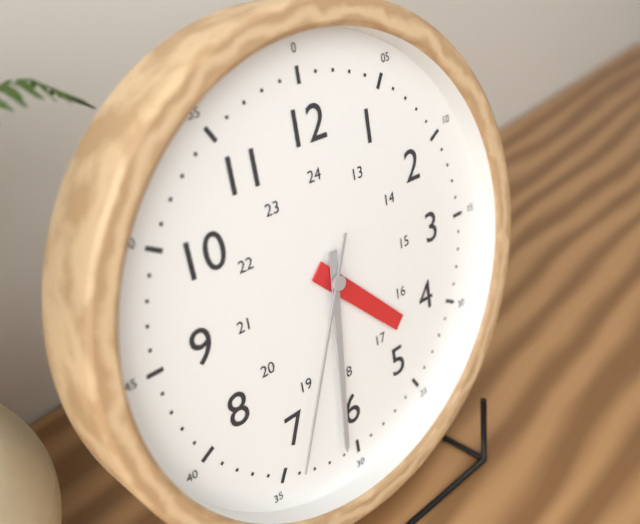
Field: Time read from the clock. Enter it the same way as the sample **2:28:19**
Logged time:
**4:31:34**
